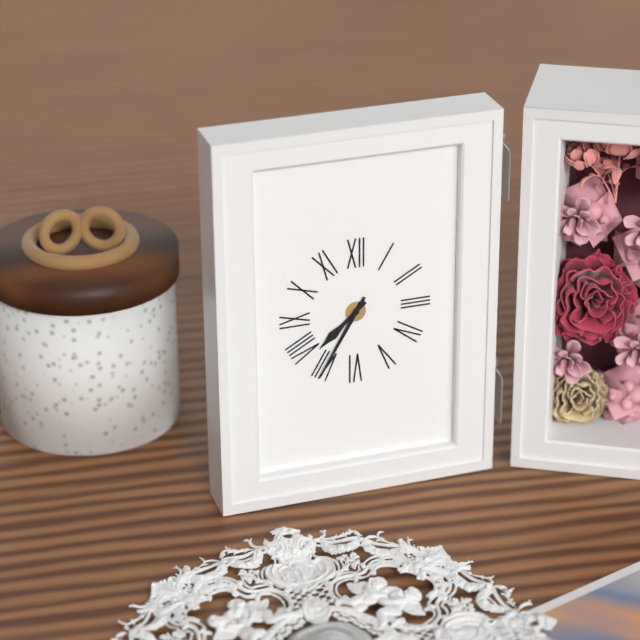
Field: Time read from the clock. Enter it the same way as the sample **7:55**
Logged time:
**7:35**
